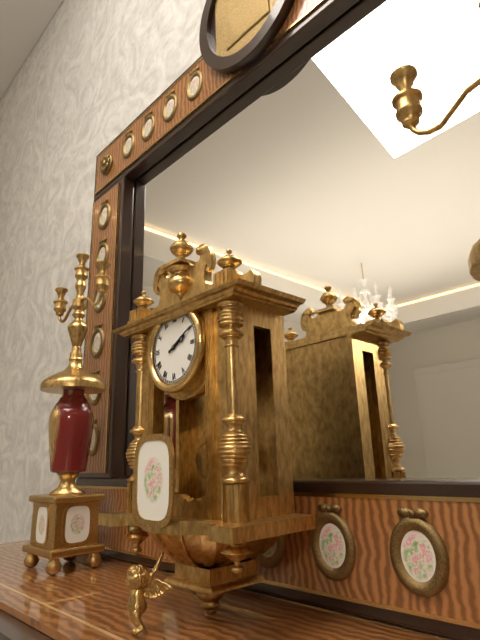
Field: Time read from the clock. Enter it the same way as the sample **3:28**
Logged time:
**2:10**
